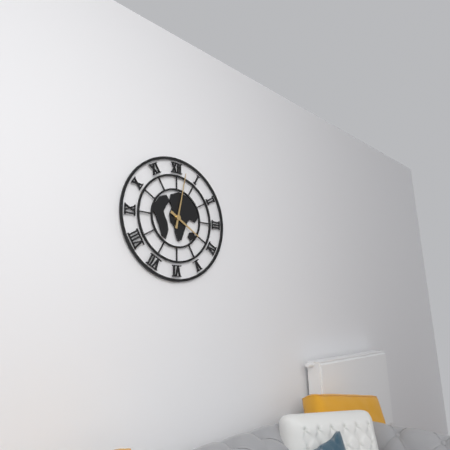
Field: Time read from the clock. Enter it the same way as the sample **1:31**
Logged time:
**4:02**
